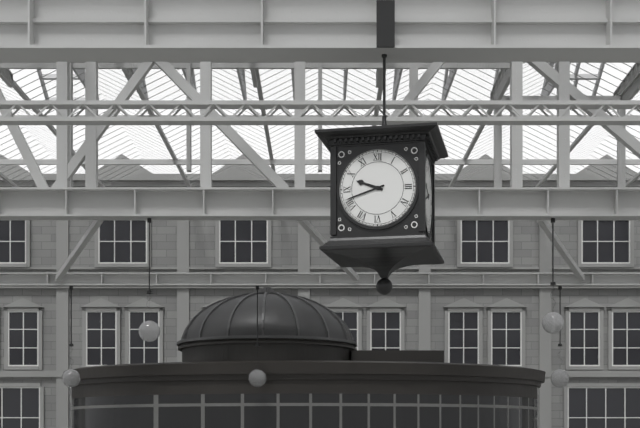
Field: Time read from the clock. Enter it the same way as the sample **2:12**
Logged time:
**9:42**
